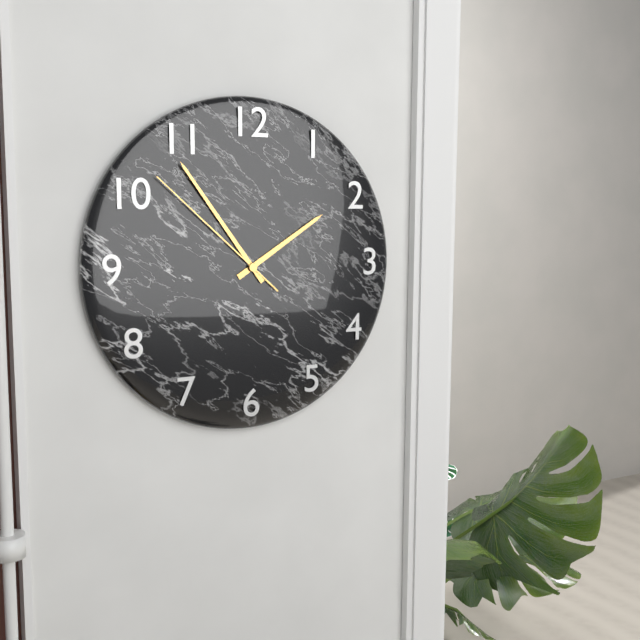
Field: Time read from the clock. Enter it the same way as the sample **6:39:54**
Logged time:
**1:54:52**
